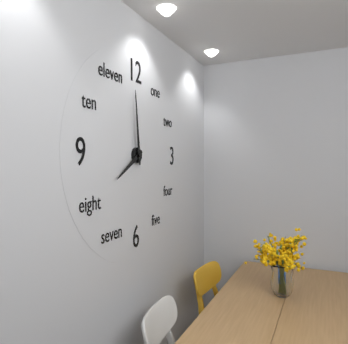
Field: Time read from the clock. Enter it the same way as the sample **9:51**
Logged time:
**7:59**
